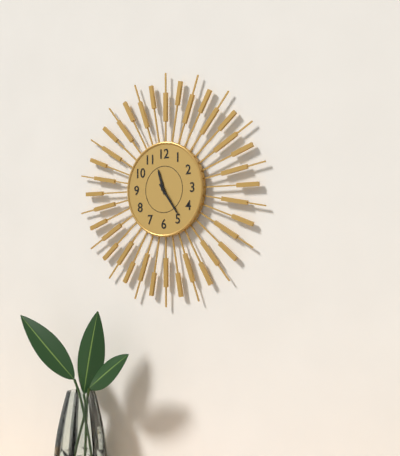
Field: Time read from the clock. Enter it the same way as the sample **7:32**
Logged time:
**11:24**
